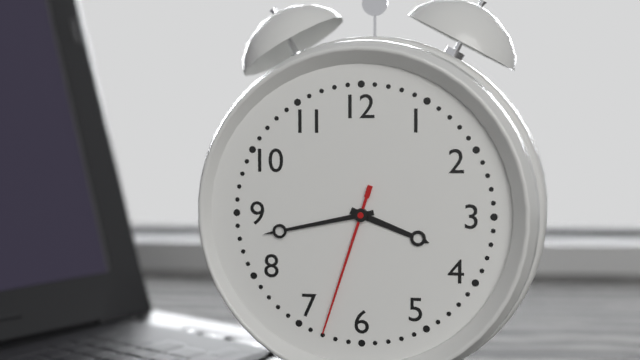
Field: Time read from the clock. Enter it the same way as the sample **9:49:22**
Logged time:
**3:43:33**
